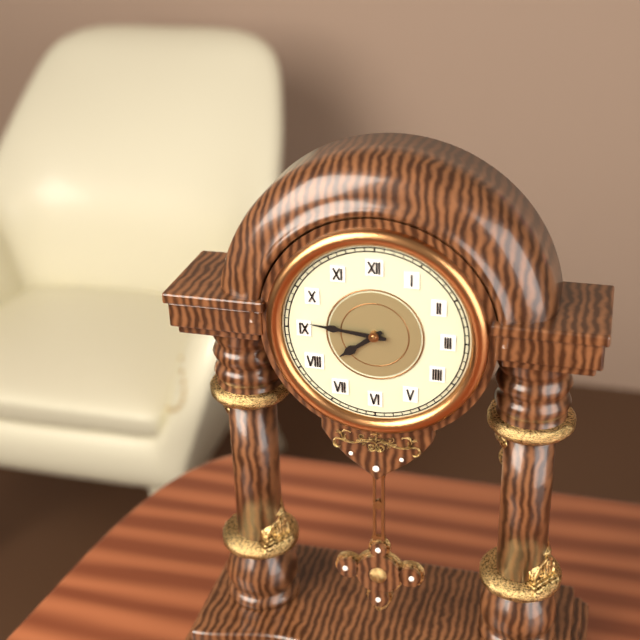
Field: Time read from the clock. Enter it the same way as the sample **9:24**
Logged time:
**7:46**
